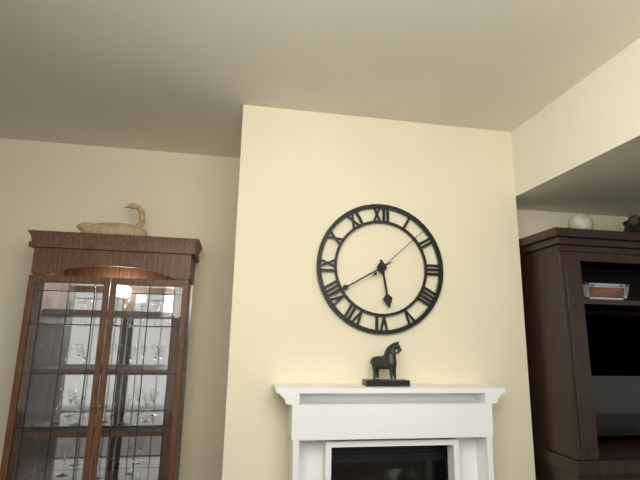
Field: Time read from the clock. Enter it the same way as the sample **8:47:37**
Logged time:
**5:40:08**
